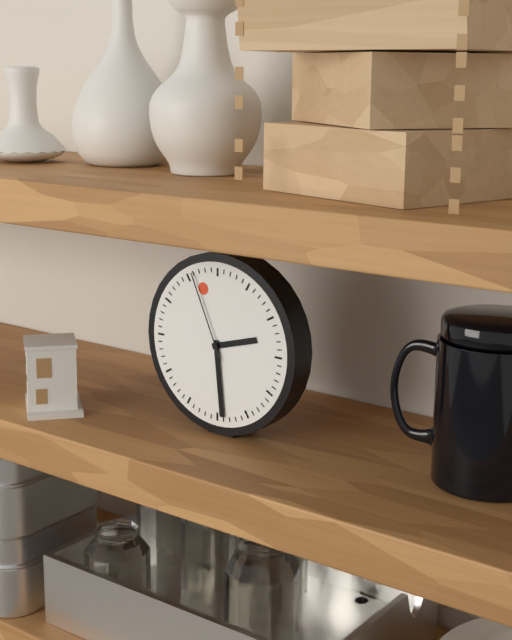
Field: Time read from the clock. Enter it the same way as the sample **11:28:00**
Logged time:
**2:29:56**
